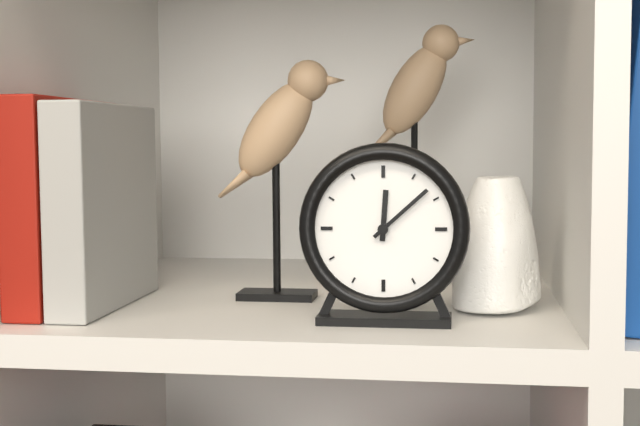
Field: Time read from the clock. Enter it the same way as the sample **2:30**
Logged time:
**12:08**
